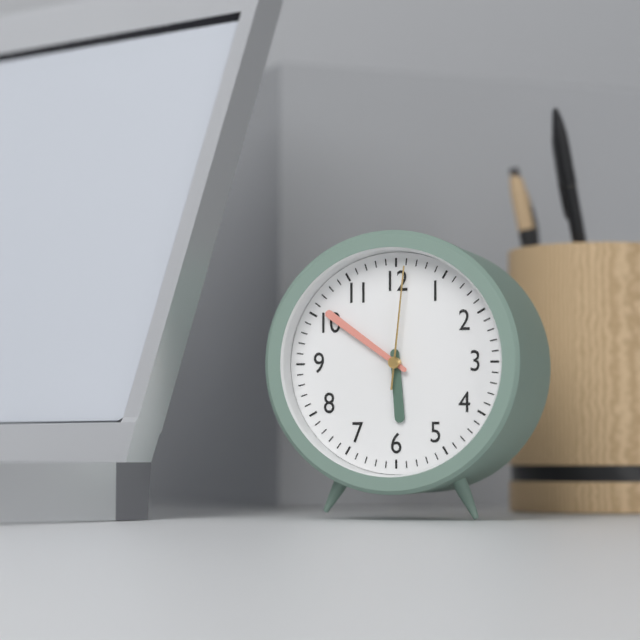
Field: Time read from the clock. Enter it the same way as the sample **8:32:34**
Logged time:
**5:51:01**
